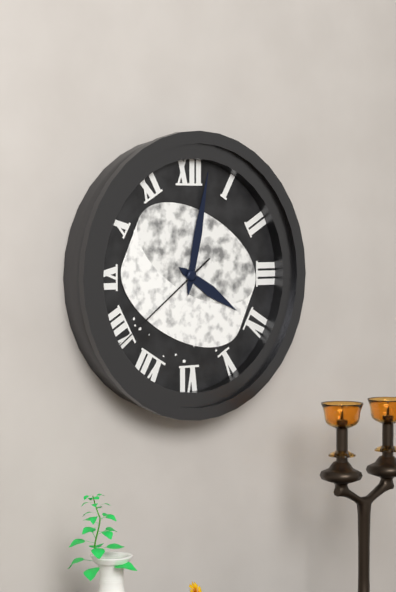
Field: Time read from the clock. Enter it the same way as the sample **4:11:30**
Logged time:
**4:02:39**
